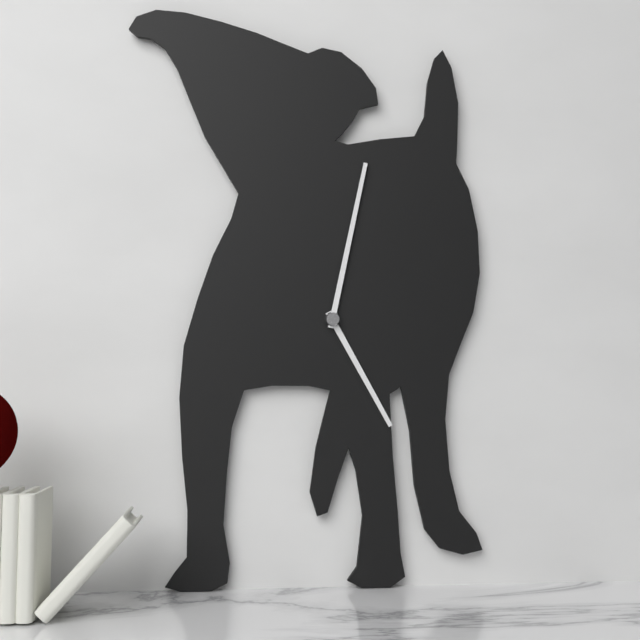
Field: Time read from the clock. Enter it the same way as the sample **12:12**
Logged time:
**5:02**
